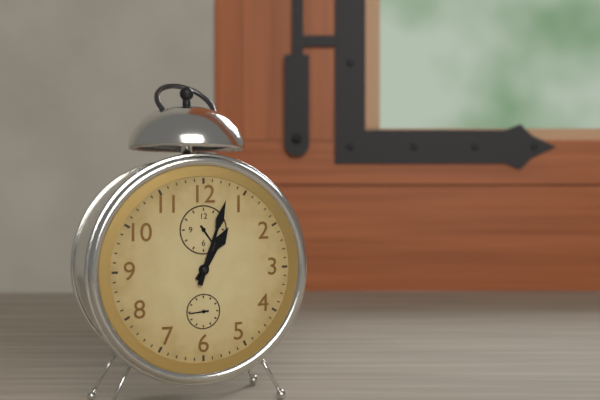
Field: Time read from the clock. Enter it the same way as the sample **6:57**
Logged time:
**1:03**
